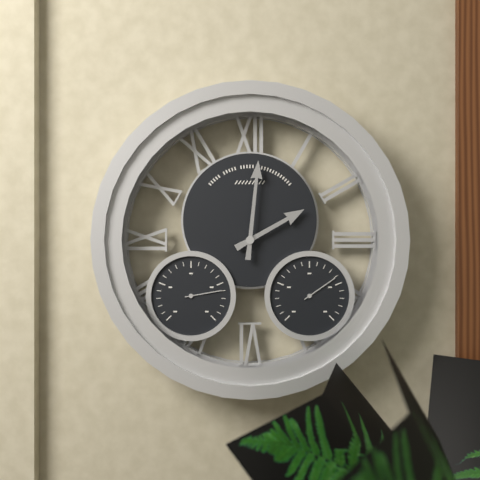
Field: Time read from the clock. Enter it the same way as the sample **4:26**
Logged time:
**2:01**
